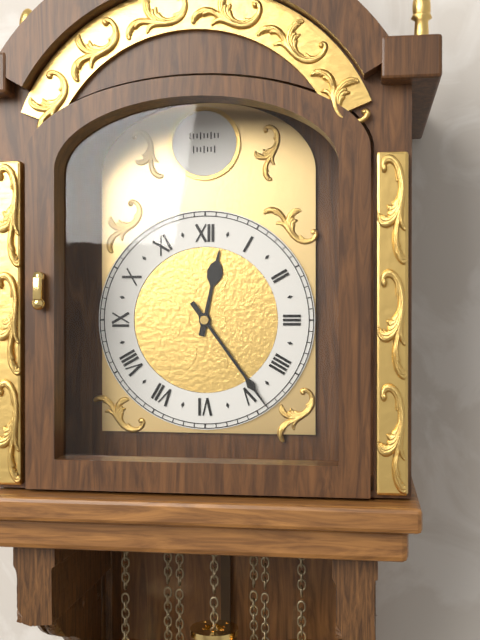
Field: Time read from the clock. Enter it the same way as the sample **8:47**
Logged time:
**12:24**
